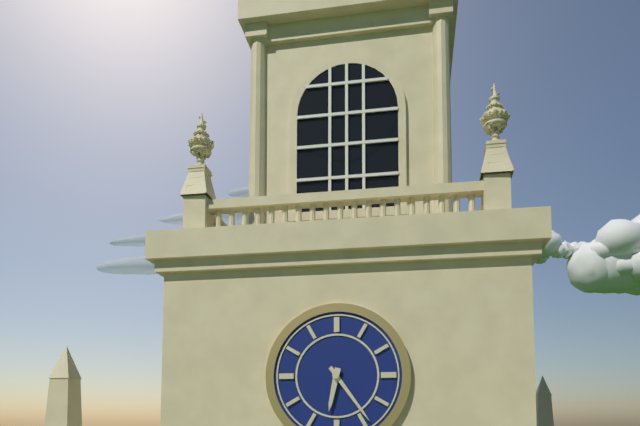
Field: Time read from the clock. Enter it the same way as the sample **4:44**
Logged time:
**6:24**
